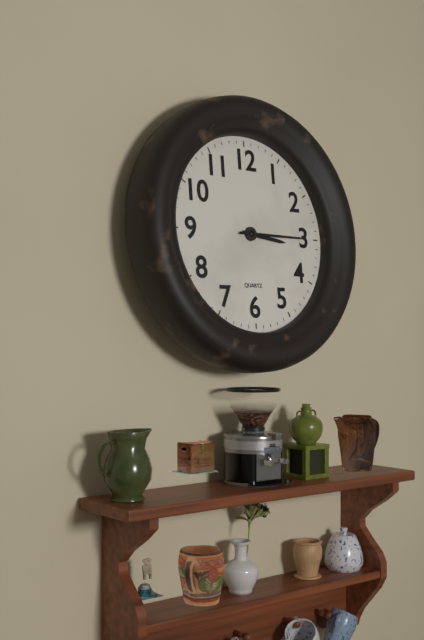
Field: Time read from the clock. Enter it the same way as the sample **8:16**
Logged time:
**3:15**
